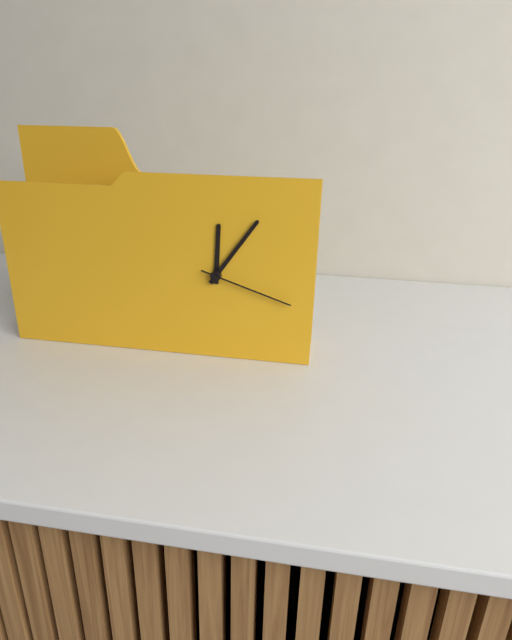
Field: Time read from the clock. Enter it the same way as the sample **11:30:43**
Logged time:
**12:06:18**
